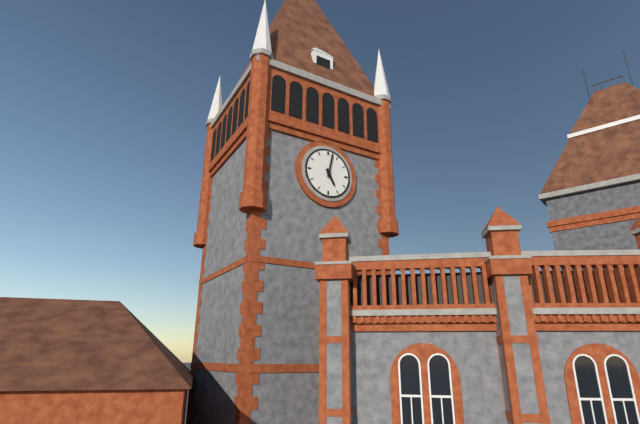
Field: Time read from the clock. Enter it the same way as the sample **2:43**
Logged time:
**5:02**
